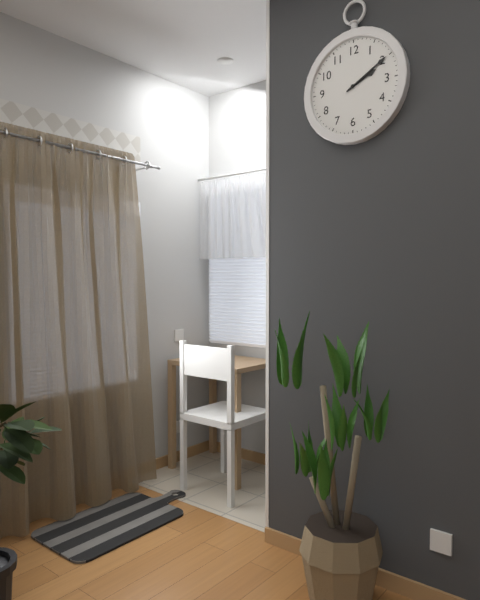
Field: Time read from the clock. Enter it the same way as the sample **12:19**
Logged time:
**2:10**
